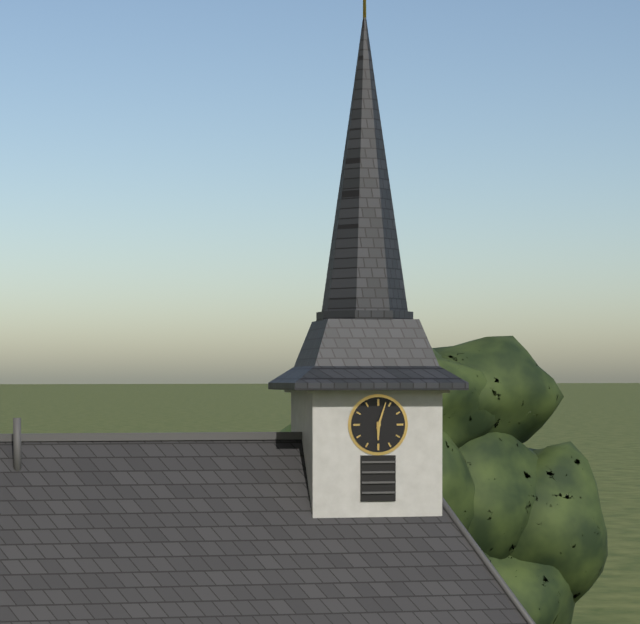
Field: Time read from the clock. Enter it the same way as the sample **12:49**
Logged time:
**6:03**
